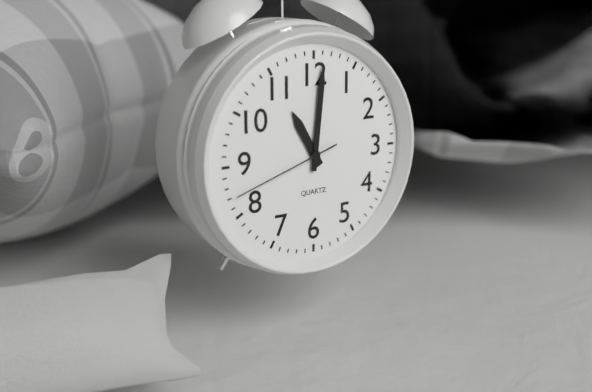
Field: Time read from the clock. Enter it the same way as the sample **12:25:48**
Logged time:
**11:01:42**
